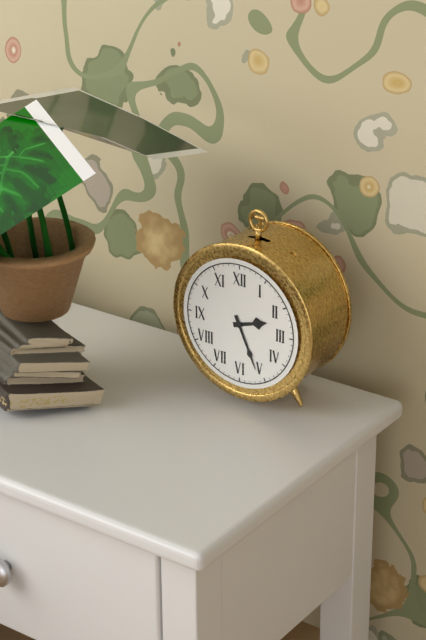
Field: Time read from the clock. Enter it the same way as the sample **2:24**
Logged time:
**2:26**
